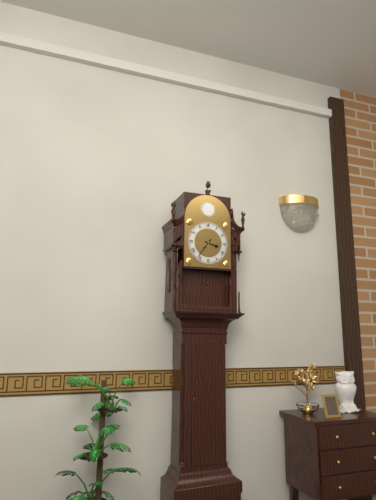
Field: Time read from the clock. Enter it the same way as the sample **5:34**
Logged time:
**3:36**
